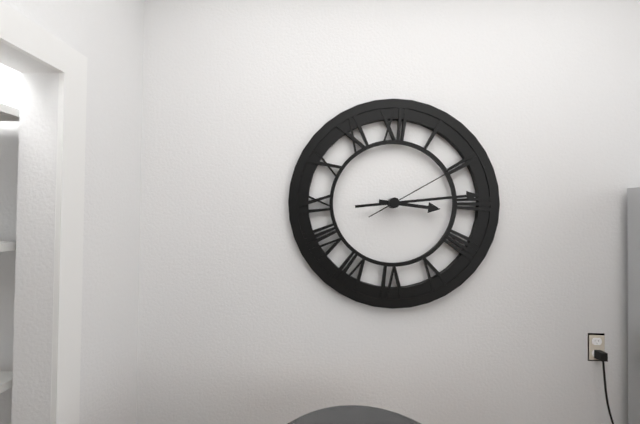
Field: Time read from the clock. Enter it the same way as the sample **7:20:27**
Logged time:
**3:14:10**
